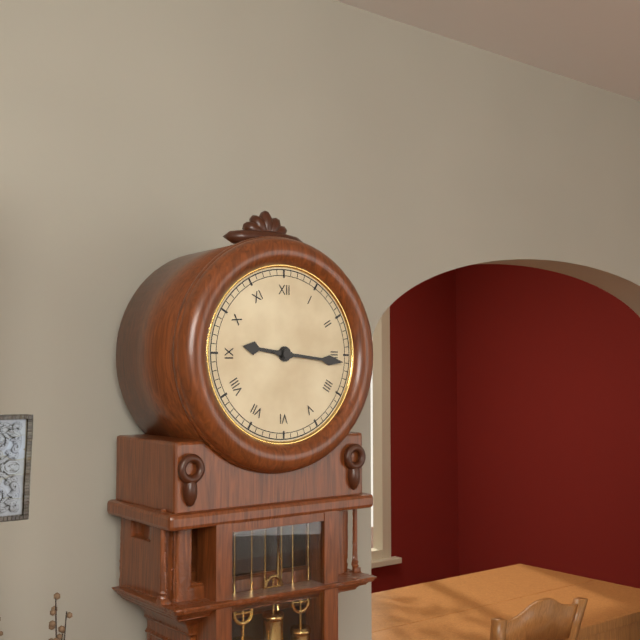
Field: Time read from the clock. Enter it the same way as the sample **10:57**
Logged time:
**9:16**
